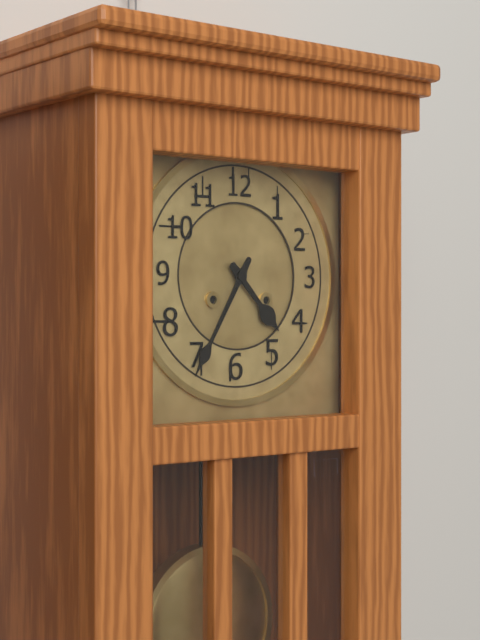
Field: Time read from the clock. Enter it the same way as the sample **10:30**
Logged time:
**4:35**
